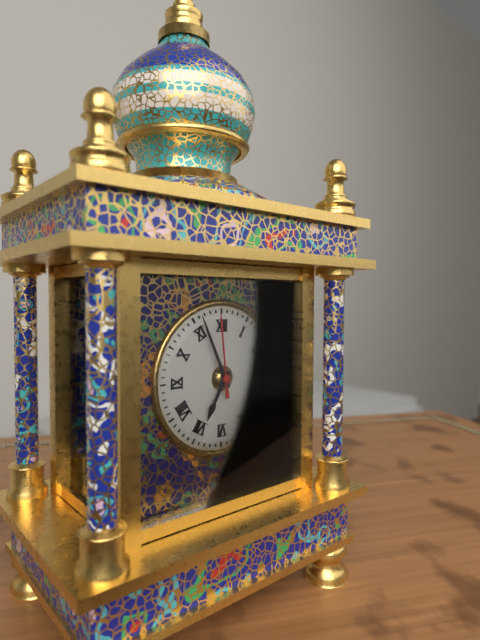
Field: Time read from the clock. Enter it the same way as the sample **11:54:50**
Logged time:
**6:56:59**
